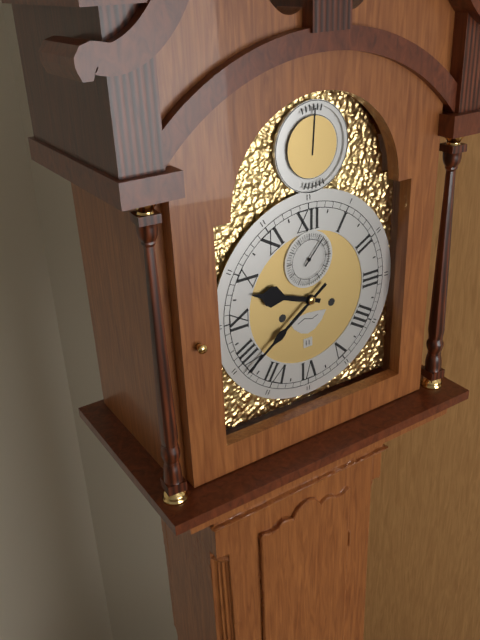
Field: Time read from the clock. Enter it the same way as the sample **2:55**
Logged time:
**9:39**
